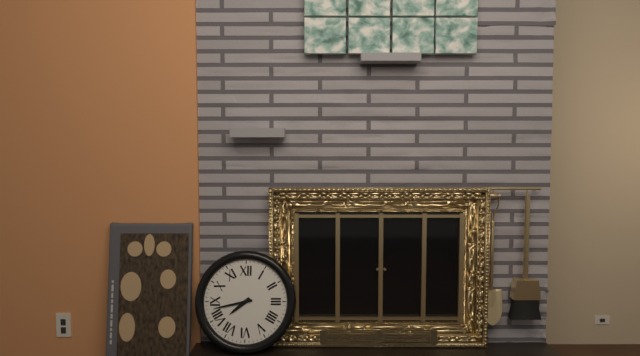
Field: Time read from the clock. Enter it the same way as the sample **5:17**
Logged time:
**7:43**
